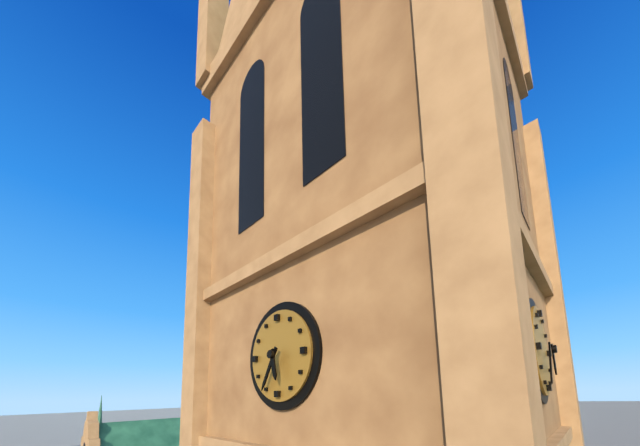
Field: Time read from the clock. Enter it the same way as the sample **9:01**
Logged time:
**5:35**
